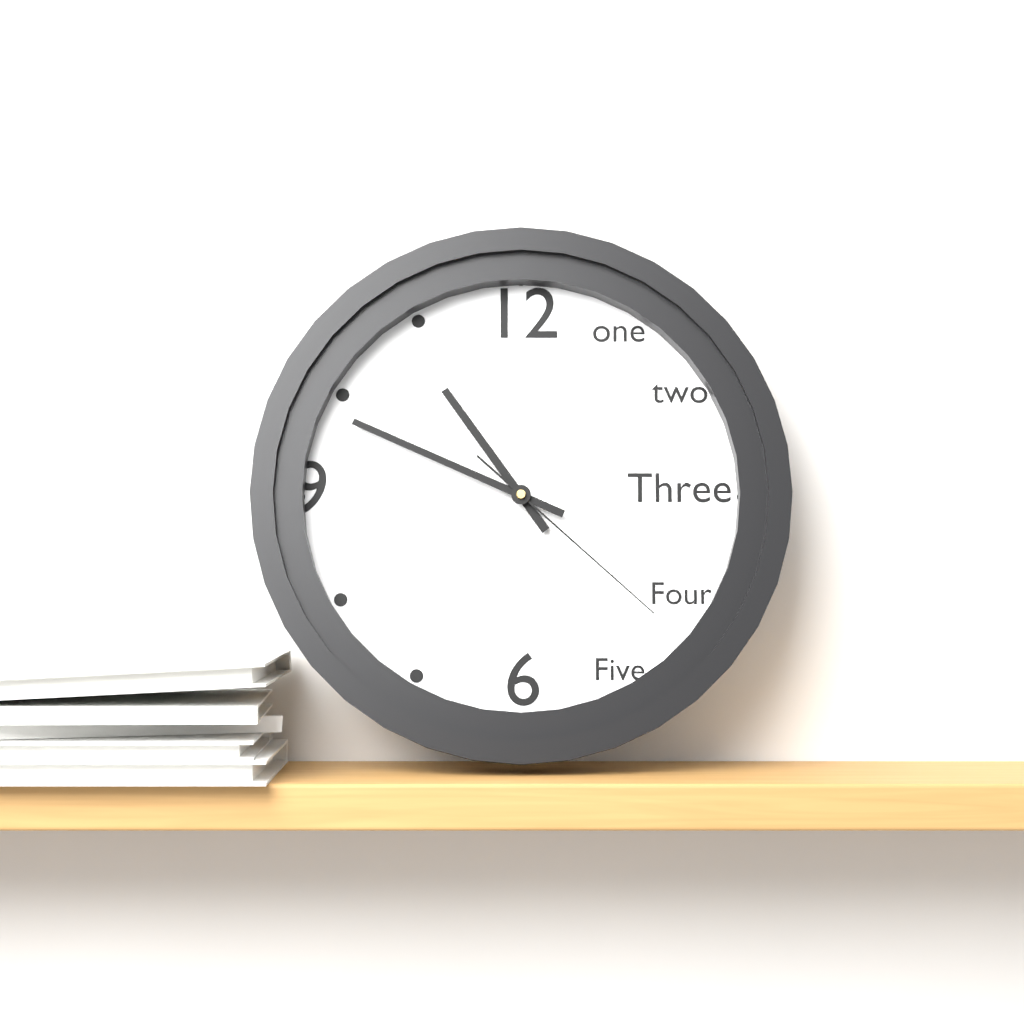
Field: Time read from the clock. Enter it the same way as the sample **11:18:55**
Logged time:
**10:49:22**
